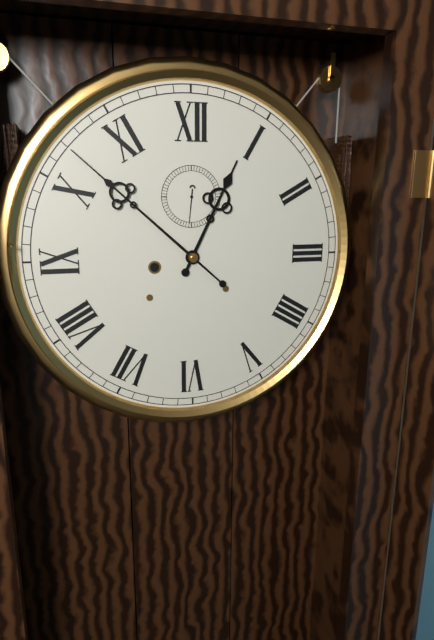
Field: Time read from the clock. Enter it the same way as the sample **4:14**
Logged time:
**12:52**
